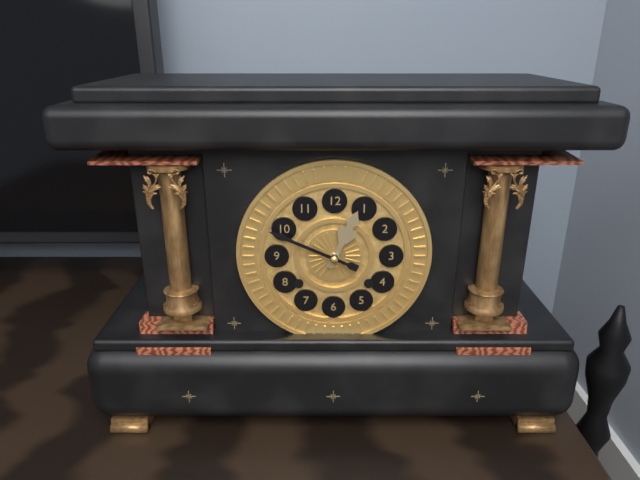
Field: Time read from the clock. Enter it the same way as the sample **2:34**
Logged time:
**12:49**
